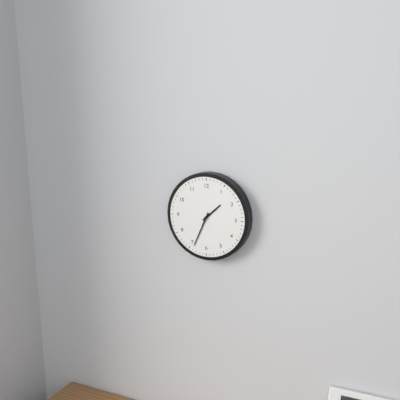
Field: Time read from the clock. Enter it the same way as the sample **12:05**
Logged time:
**1:34**
